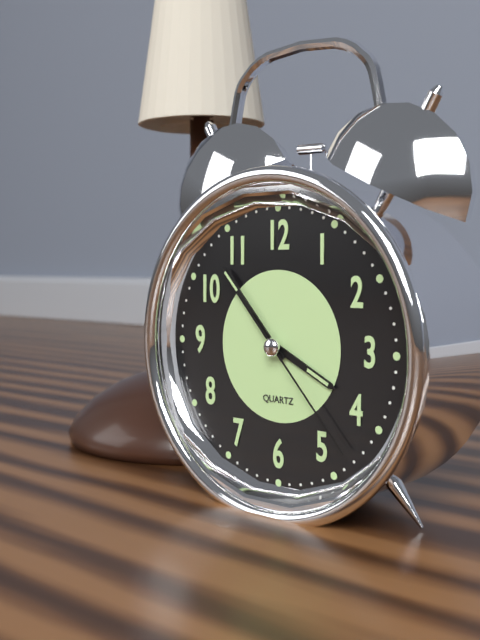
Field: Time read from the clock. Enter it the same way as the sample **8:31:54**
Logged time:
**3:53:23**
